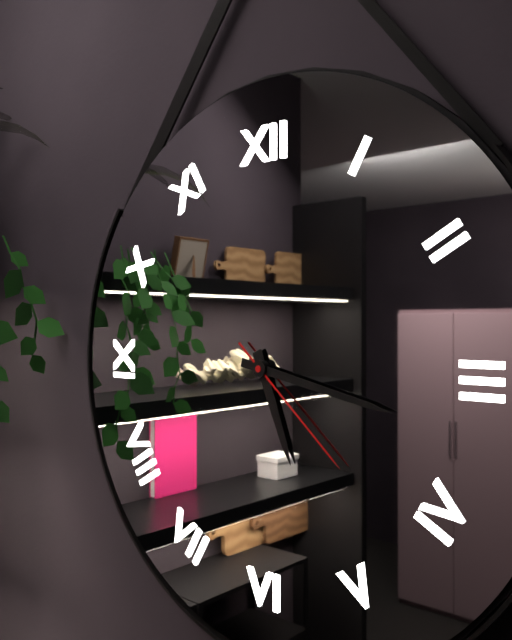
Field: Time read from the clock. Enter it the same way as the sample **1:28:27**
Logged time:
**5:17:22**
